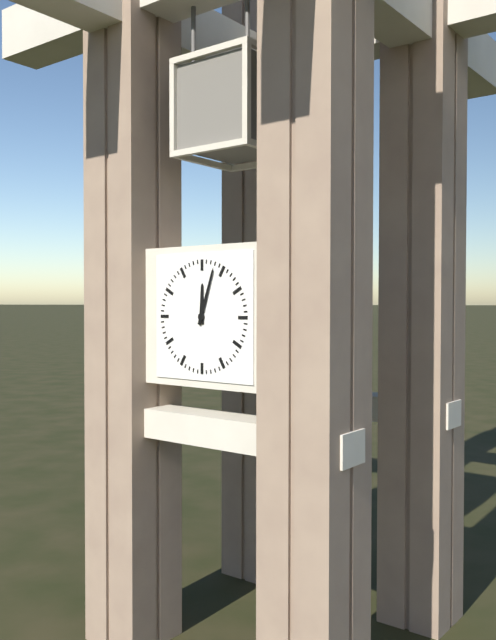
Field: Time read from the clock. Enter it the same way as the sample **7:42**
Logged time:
**12:03**
